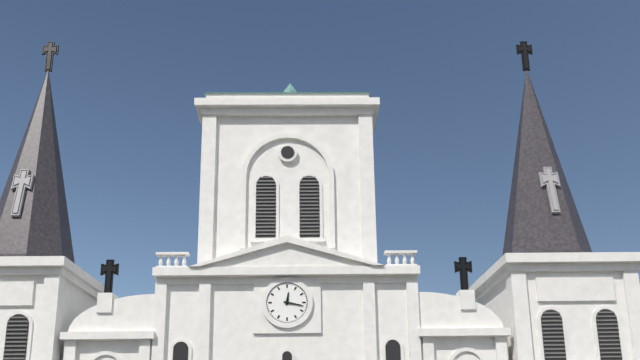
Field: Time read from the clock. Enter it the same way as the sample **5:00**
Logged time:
**12:17**
